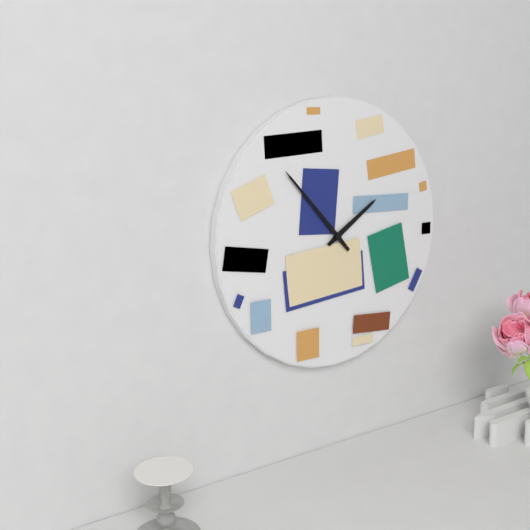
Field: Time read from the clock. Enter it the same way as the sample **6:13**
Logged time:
**1:53**
